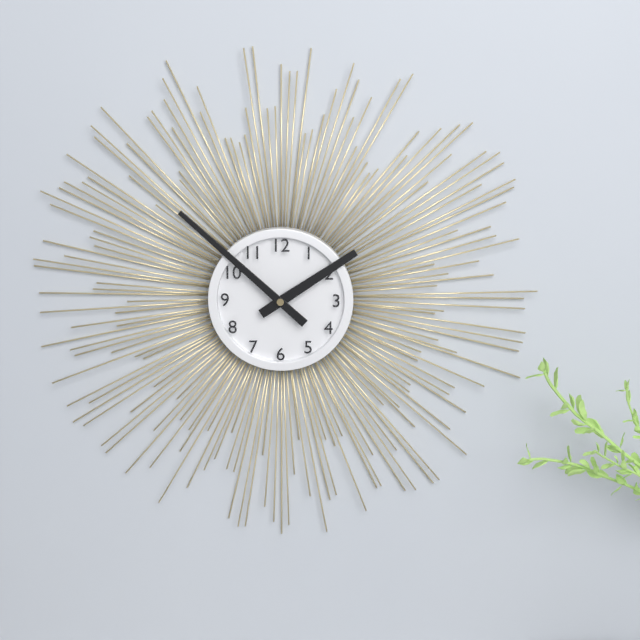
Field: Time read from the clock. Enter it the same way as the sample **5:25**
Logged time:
**1:52**
